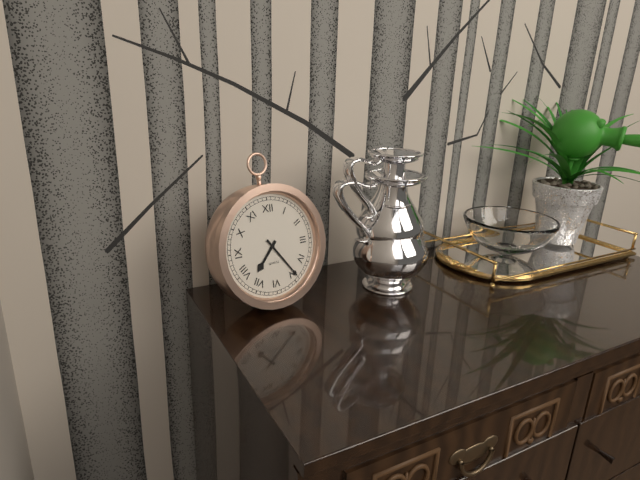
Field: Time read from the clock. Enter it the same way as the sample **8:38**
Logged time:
**7:24**
